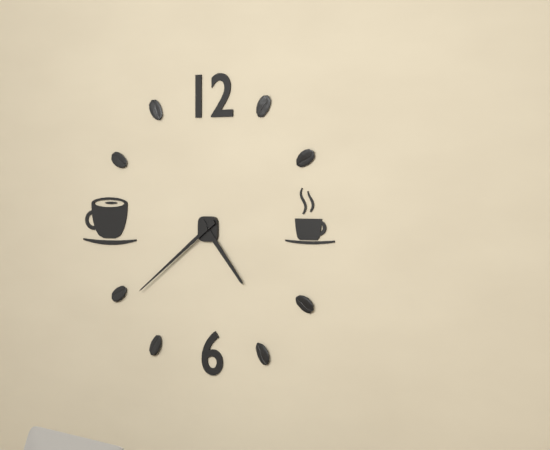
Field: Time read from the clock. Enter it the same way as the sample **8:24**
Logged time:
**4:39**
